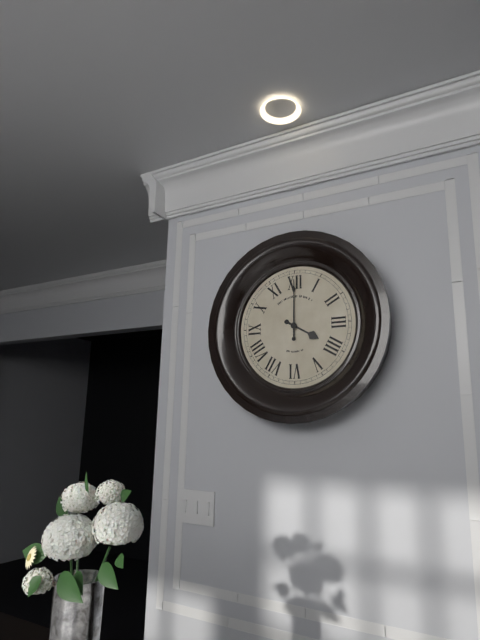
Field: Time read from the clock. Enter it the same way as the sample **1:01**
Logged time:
**4:00**
